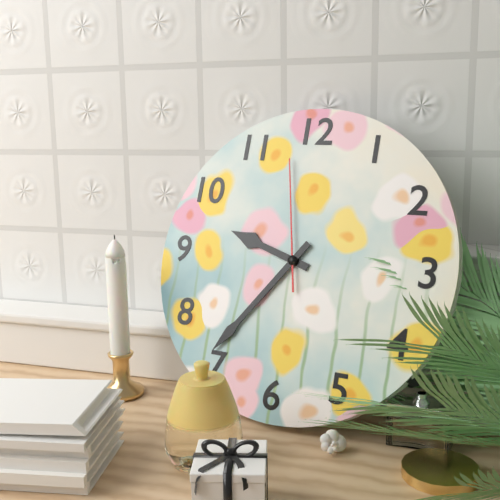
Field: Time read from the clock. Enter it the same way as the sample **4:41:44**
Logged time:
**9:36:58**
